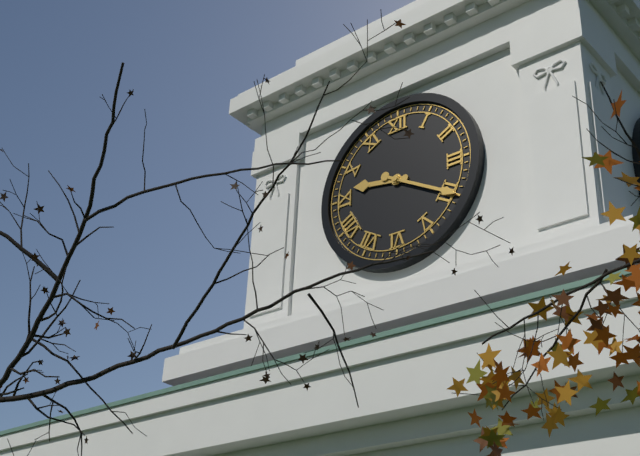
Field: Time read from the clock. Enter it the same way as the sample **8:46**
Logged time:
**9:20**
